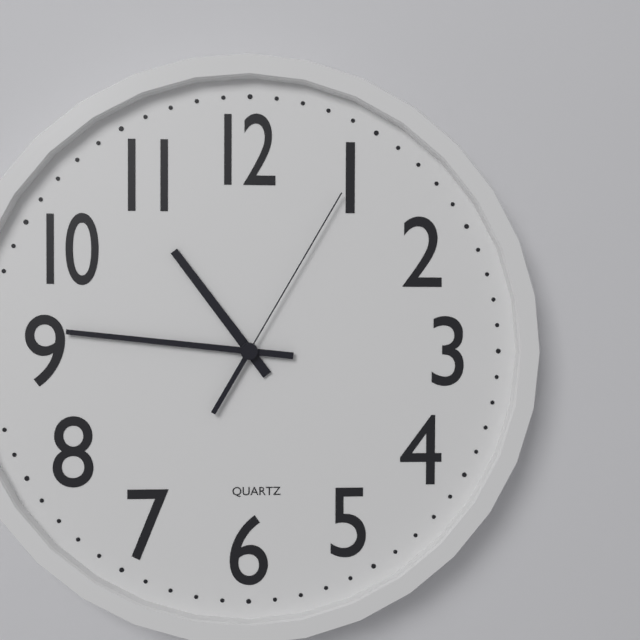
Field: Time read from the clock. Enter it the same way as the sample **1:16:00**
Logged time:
**10:46:05**
